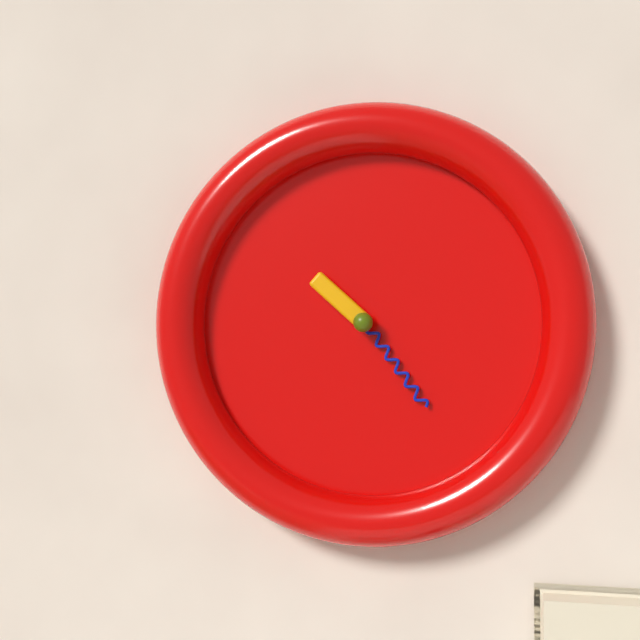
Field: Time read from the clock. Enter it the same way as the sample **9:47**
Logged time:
**10:24**
